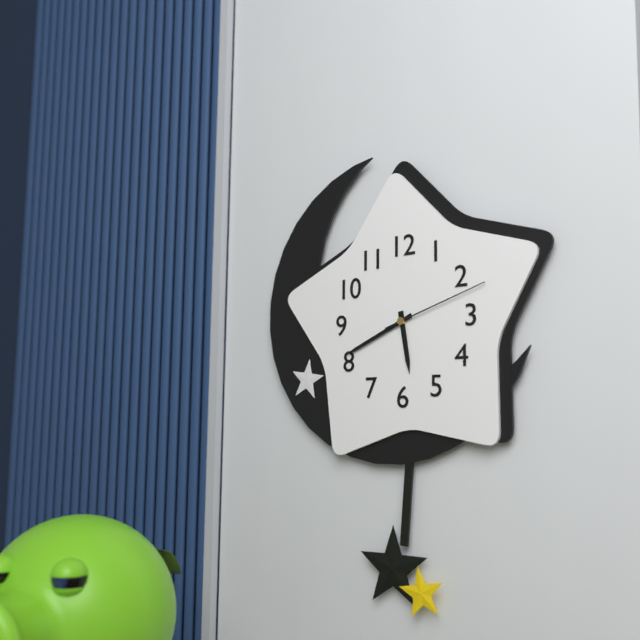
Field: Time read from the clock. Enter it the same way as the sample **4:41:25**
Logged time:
**5:41:12**
